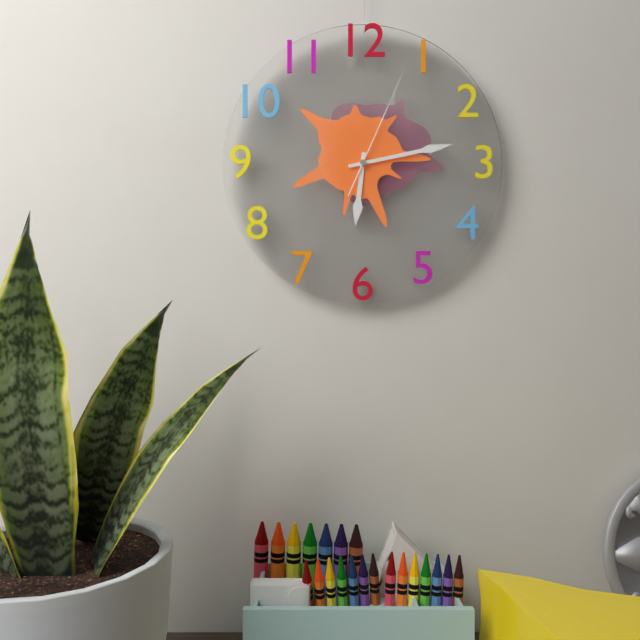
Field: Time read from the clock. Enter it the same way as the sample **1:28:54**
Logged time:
**6:13:04**
